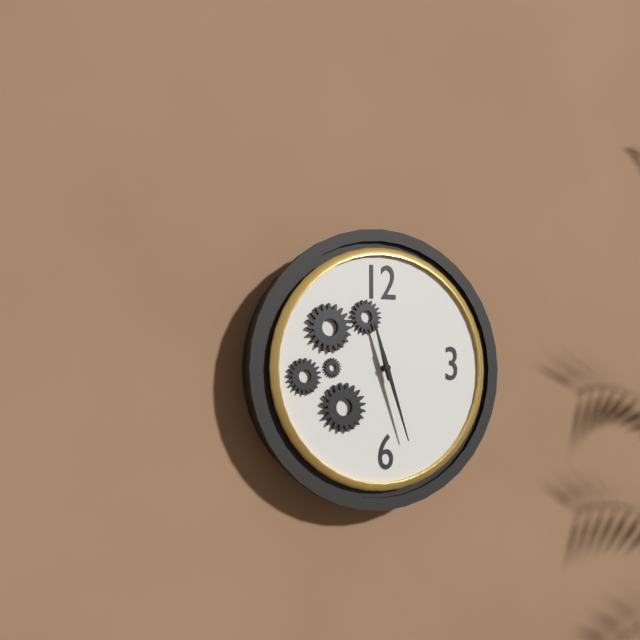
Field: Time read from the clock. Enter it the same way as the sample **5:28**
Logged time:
**11:27**
